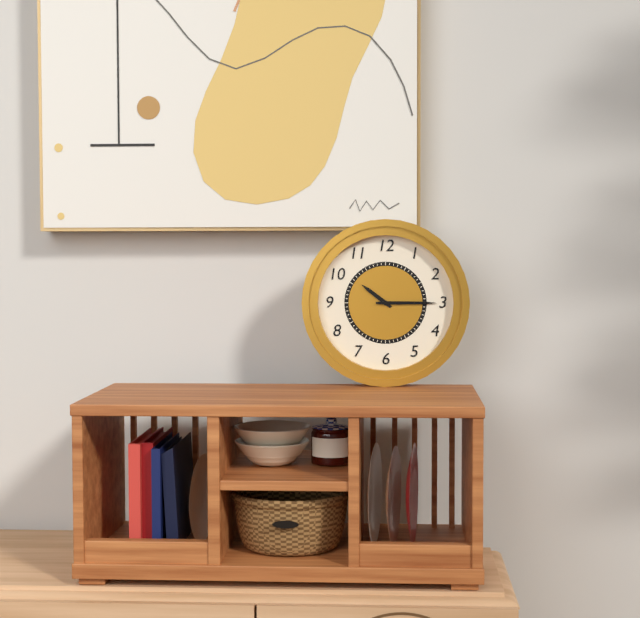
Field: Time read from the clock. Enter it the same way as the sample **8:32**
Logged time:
**10:15**
